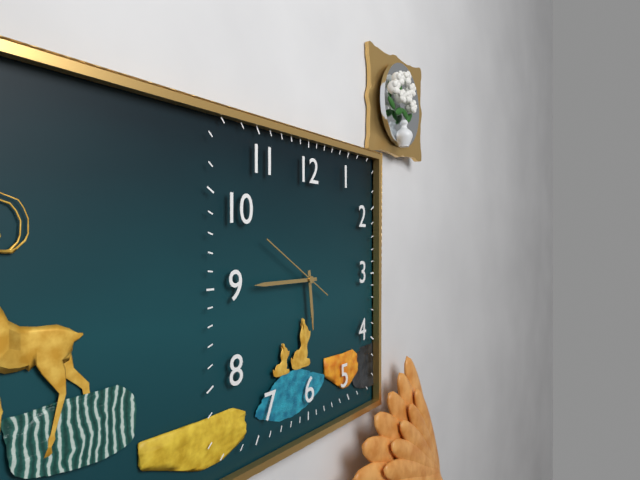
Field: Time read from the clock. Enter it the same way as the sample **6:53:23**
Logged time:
**5:45:50**
